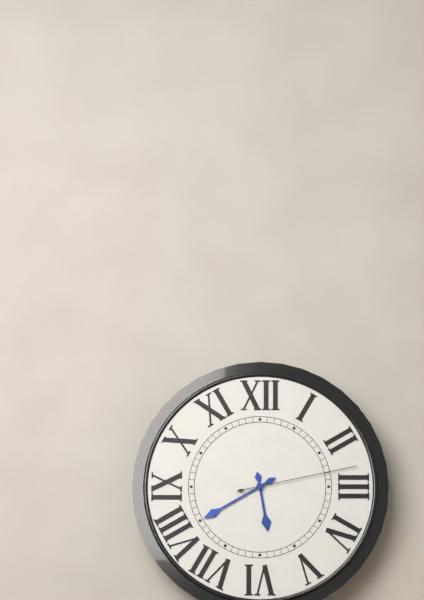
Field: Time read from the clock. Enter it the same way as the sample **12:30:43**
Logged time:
**5:40:13**
